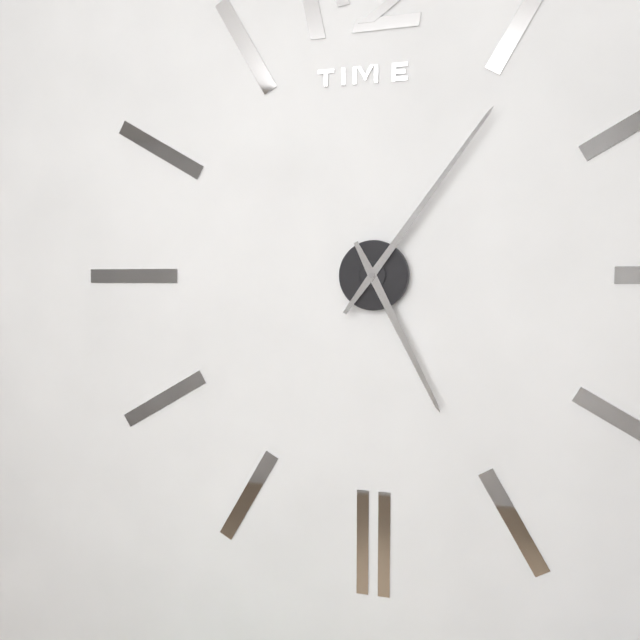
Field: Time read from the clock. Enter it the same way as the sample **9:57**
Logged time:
**5:06**
